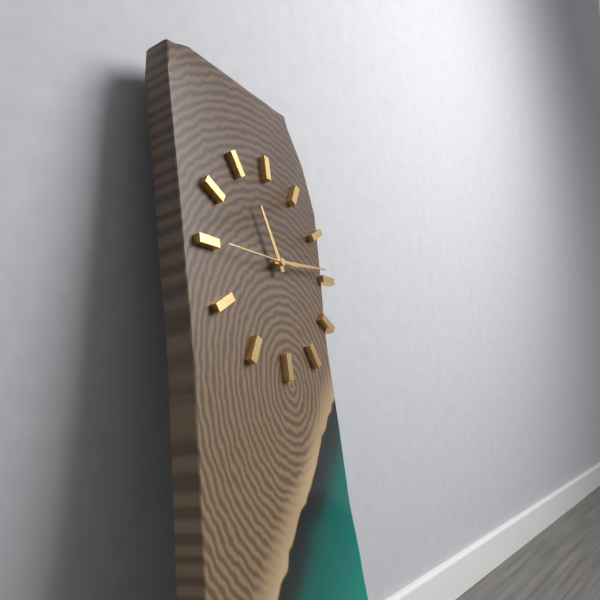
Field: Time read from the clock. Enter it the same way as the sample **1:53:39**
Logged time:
**11:14:45**
